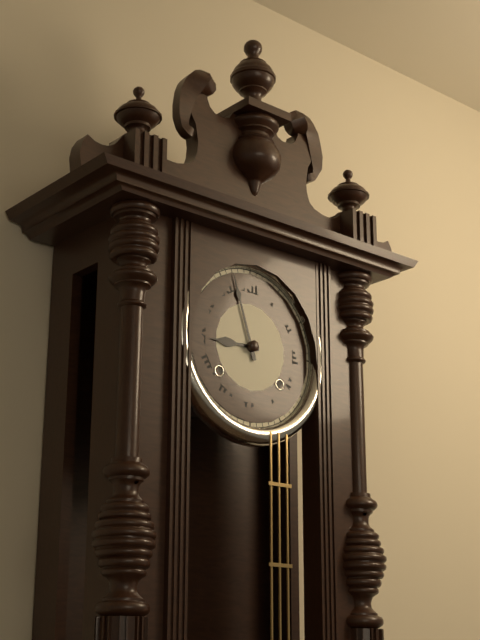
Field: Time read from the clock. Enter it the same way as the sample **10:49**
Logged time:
**8:57**
